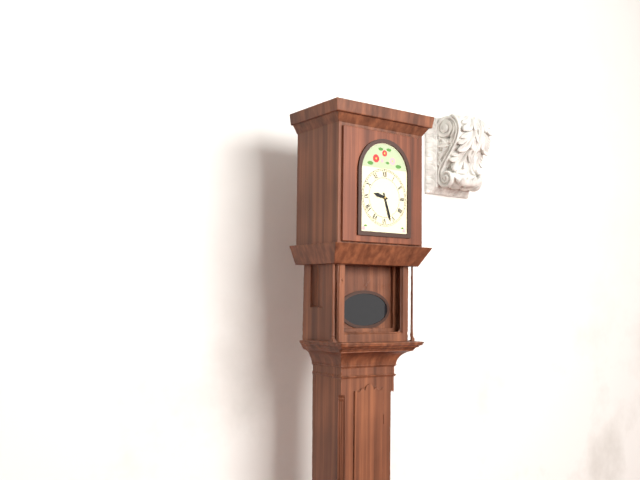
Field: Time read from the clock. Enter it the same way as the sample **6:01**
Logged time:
**9:27**
